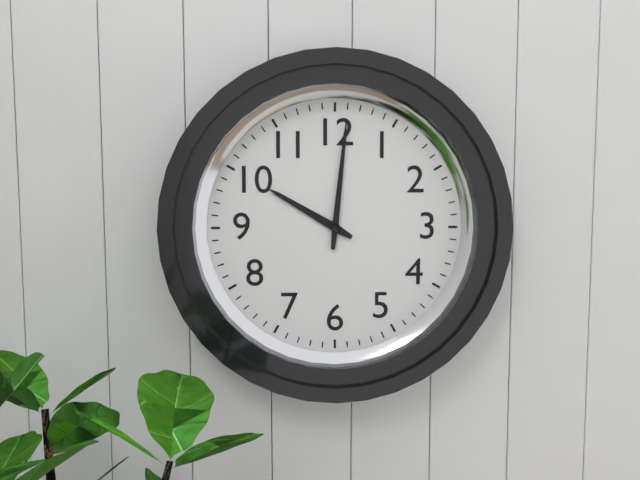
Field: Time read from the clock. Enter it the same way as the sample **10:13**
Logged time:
**10:01**
